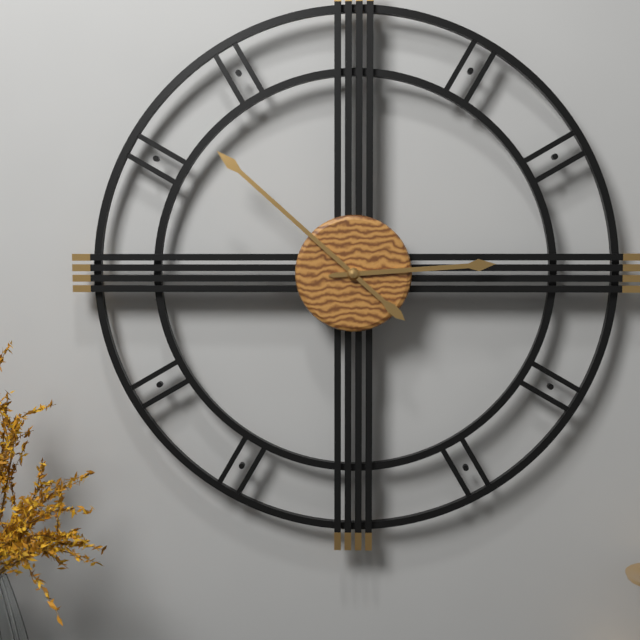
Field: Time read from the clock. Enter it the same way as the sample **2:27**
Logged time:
**2:52**
